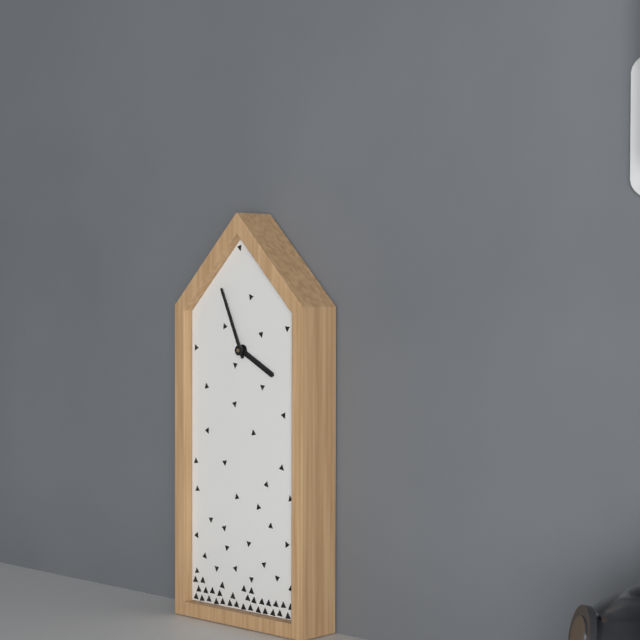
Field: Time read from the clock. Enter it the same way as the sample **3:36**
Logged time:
**3:56**
